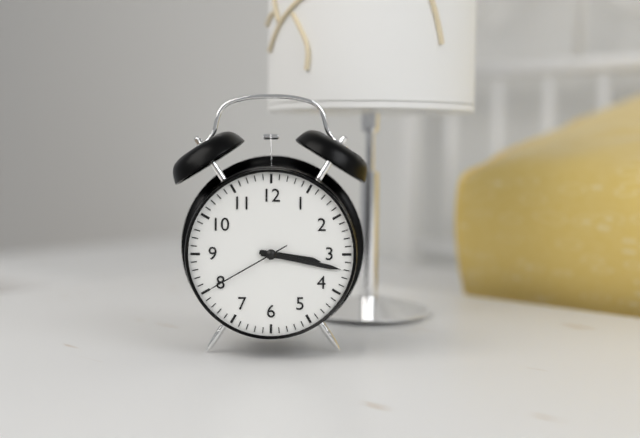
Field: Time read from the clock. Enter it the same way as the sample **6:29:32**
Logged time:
**3:17:40**
